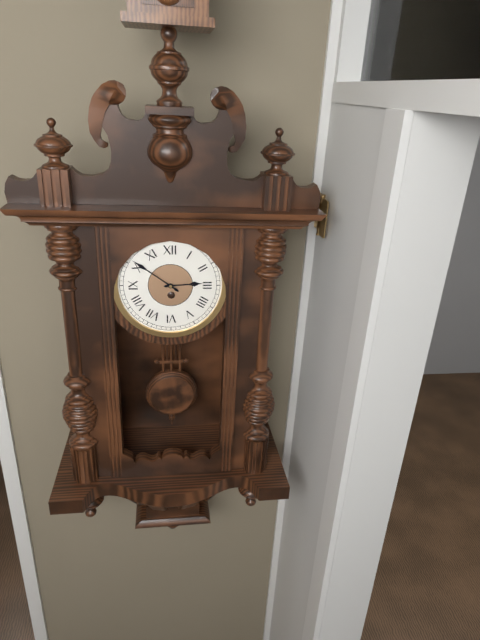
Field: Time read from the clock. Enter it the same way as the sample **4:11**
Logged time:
**2:51**
